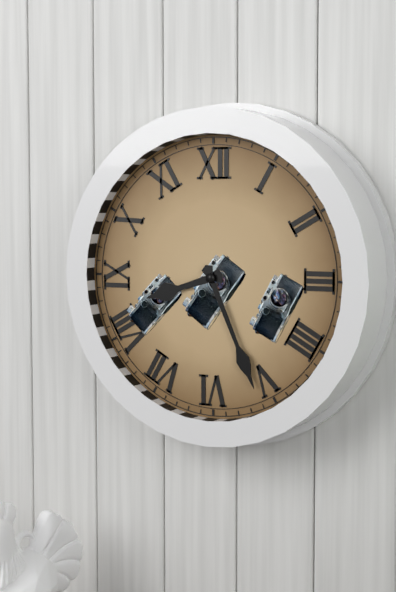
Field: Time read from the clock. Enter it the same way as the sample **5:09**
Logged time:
**8:26**
